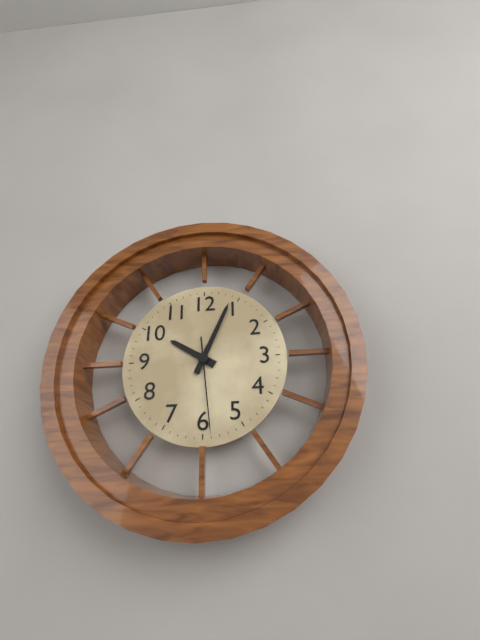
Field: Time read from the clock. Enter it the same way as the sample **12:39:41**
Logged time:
**10:04:29**
